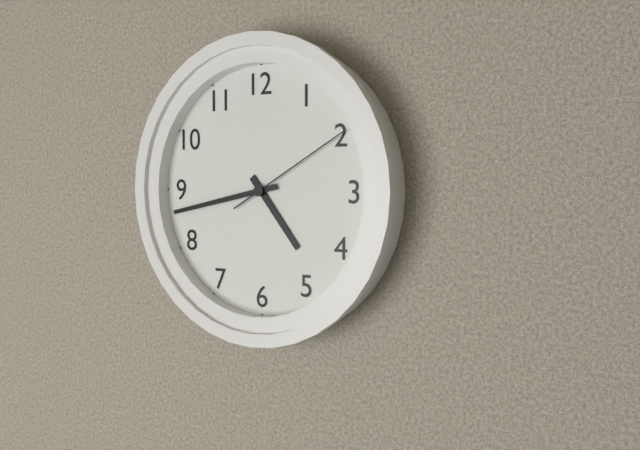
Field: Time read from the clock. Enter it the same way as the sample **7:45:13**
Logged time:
**4:43:10**
